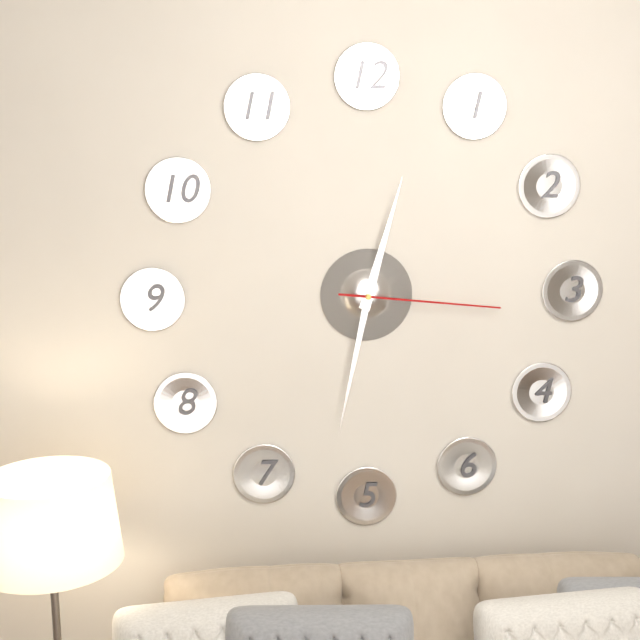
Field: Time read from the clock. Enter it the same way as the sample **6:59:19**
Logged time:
**12:32:16**
